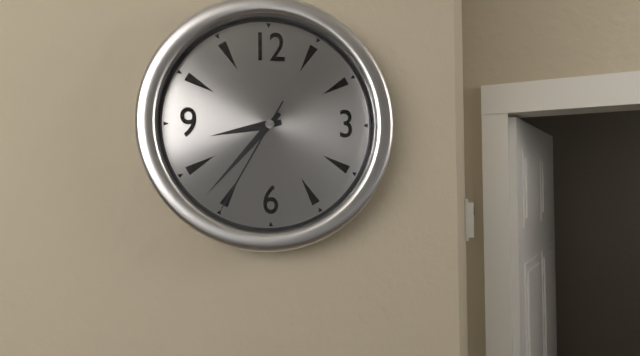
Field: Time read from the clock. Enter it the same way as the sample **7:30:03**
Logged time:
**8:37:35**
